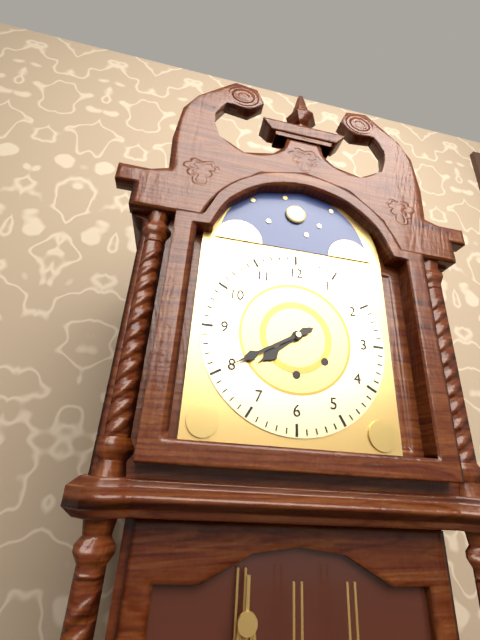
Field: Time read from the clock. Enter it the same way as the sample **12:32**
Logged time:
**7:40**
